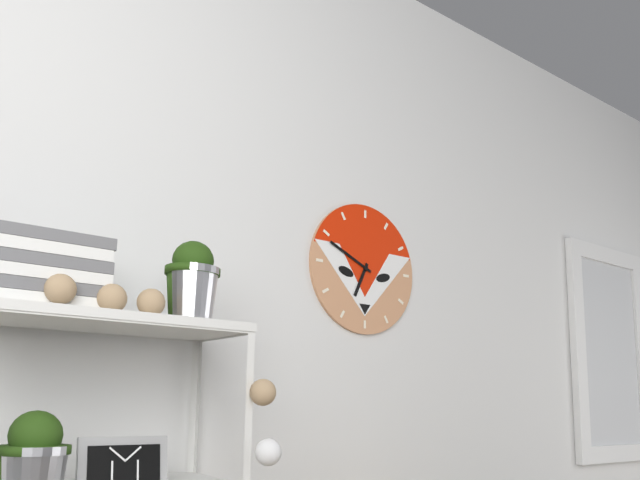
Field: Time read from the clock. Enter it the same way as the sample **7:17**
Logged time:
**6:49**
